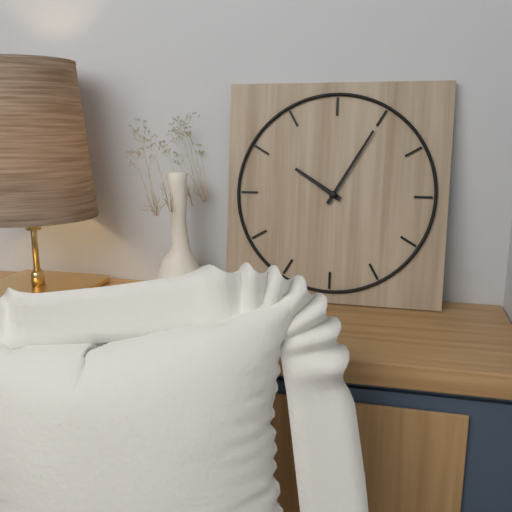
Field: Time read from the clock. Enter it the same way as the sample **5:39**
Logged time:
**10:05**
